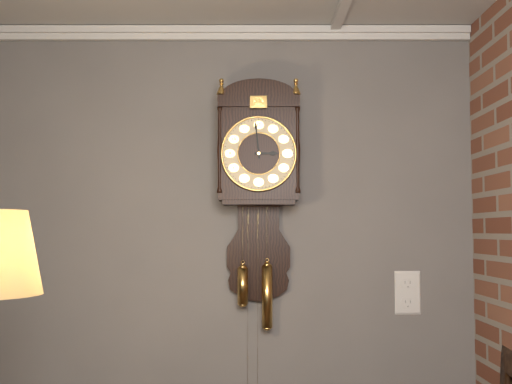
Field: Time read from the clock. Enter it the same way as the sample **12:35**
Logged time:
**2:59**
